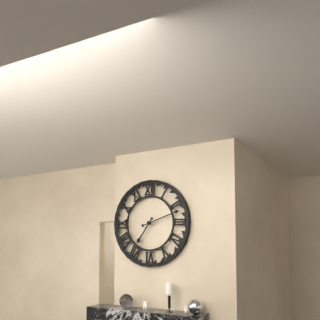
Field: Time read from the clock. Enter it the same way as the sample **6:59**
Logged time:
**7:12**
